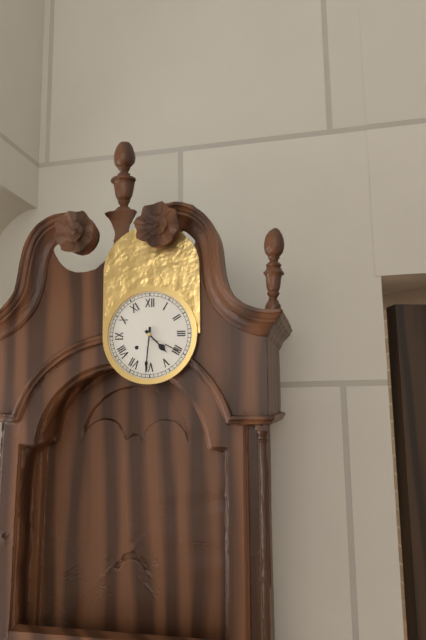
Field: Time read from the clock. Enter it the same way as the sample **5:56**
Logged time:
**4:31**
